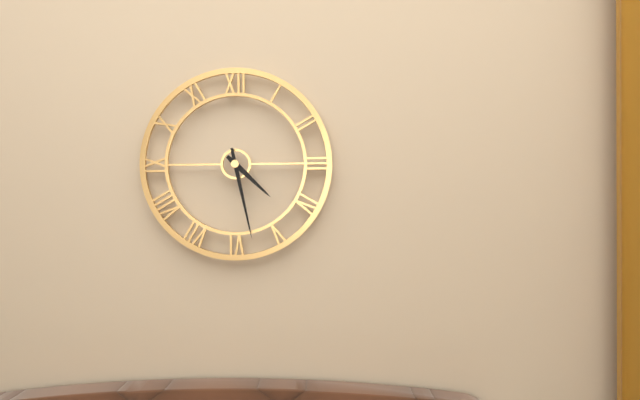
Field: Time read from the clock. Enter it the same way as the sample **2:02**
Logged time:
**4:28**
